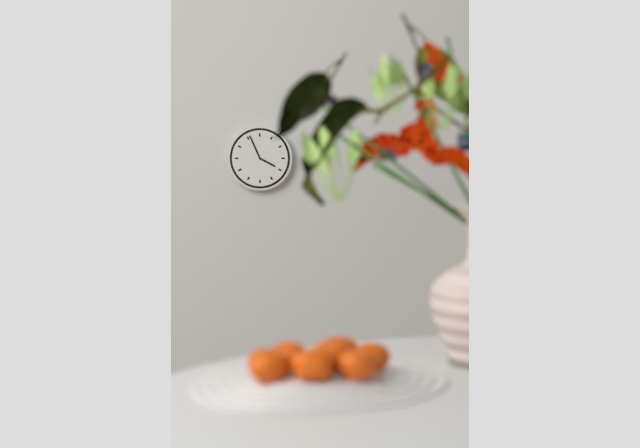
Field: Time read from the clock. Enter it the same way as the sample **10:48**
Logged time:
**3:56**
